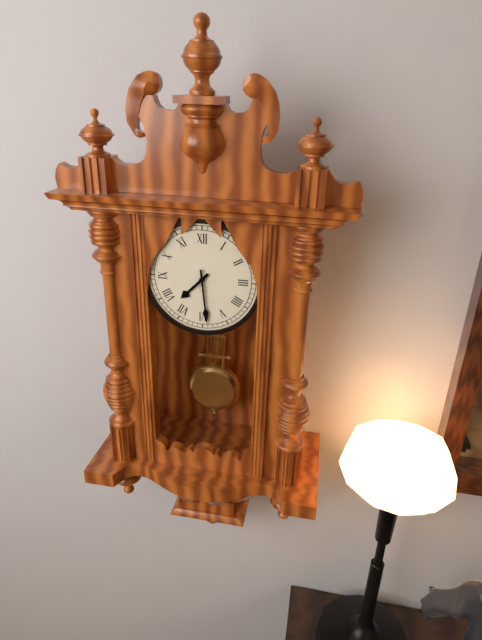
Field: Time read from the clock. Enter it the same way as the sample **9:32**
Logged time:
**7:29**
